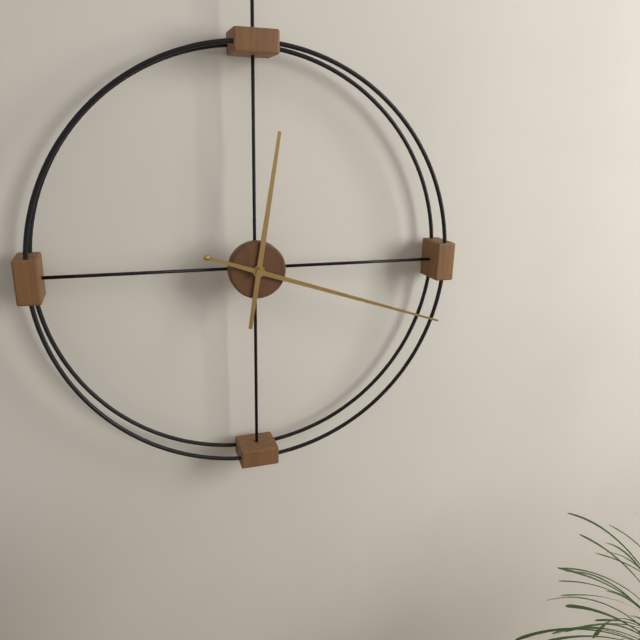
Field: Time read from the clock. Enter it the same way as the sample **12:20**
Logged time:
**12:18**
